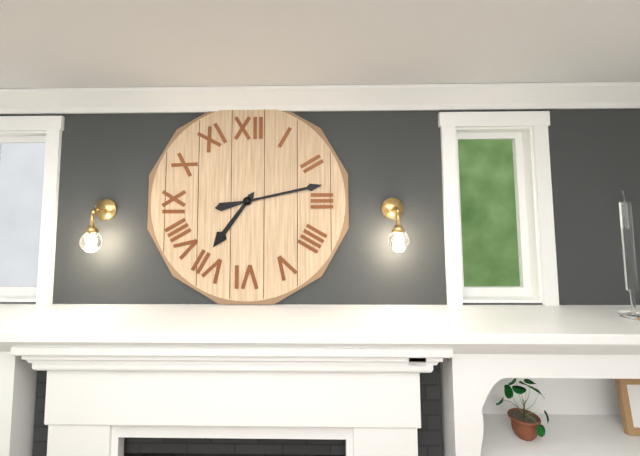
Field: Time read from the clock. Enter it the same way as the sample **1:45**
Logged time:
**7:13**
